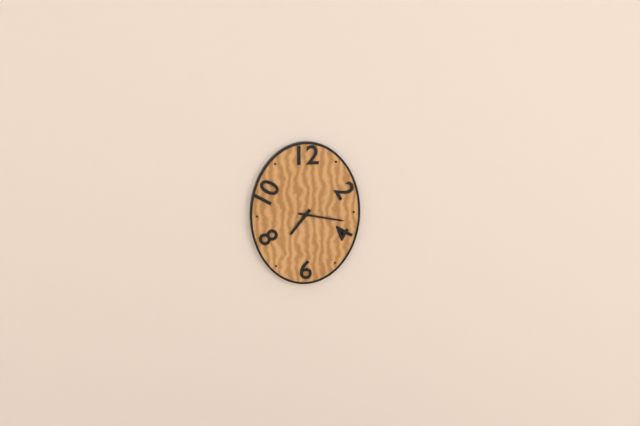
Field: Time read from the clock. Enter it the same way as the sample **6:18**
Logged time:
**7:17**
